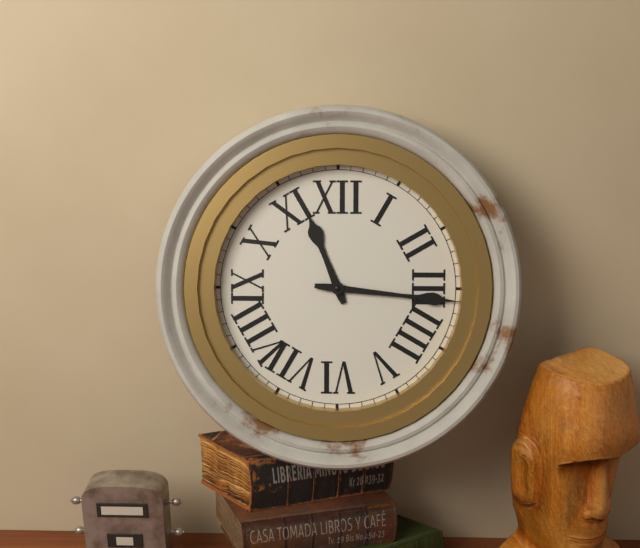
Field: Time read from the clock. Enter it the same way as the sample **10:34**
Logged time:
**11:16**
